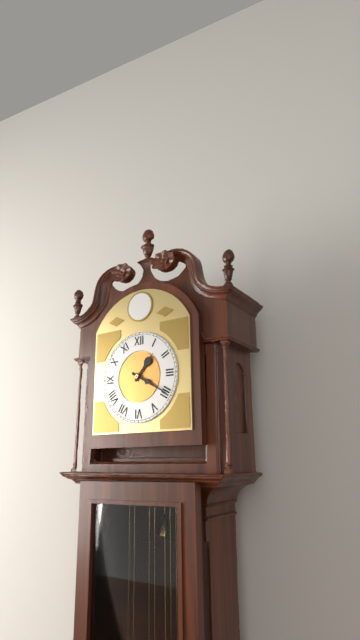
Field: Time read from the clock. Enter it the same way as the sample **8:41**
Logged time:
**1:20**
